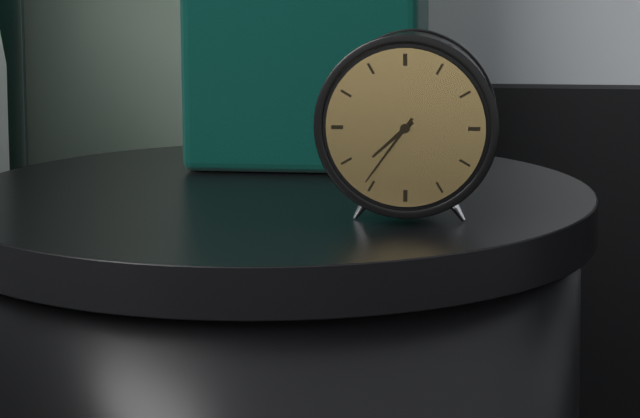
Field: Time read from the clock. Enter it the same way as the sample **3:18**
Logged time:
**7:36**
